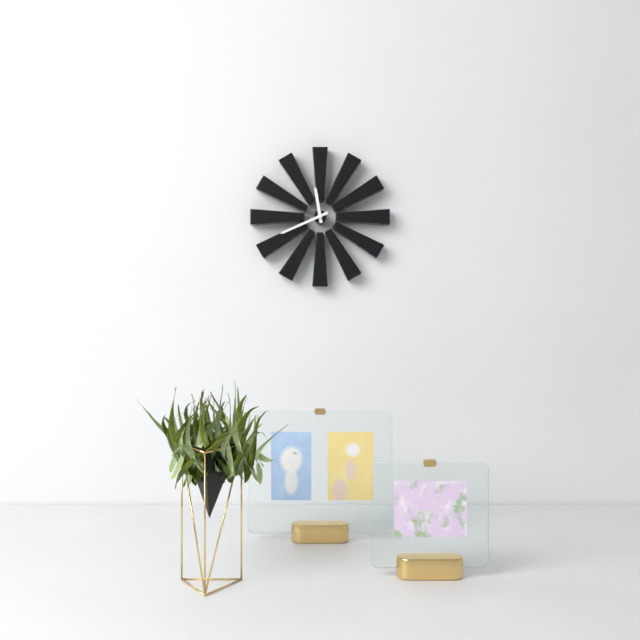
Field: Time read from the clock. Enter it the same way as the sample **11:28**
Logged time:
**11:41**
